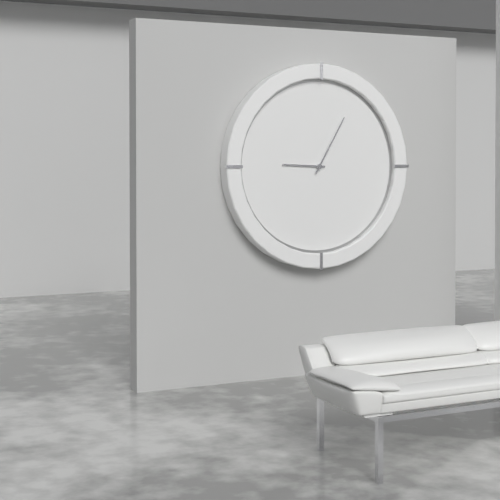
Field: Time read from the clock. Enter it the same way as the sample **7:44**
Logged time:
**9:05**
